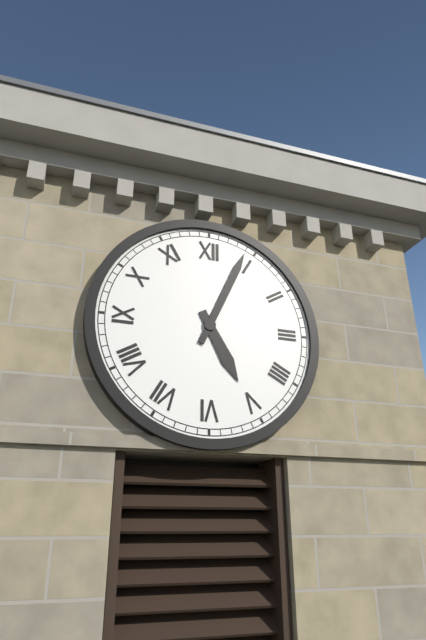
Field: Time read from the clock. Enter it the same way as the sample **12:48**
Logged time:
**5:04**
